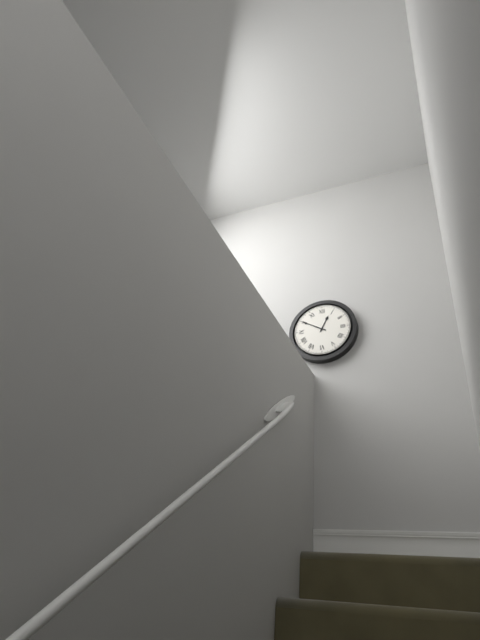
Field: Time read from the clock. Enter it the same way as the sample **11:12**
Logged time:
**12:50**
